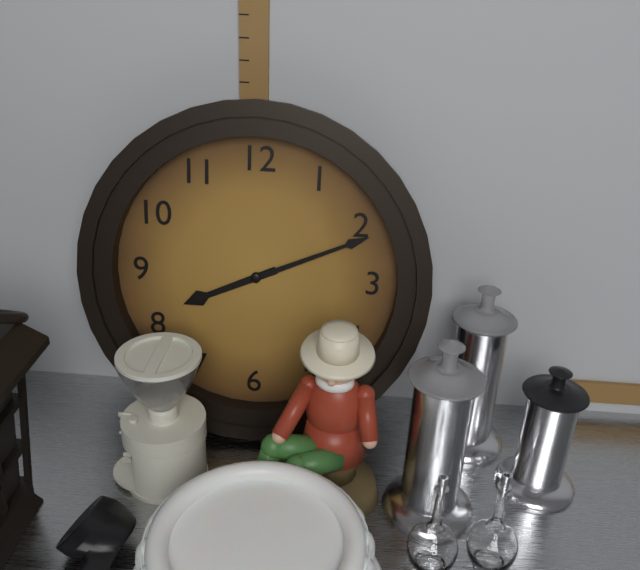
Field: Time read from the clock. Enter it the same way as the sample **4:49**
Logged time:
**8:11**
